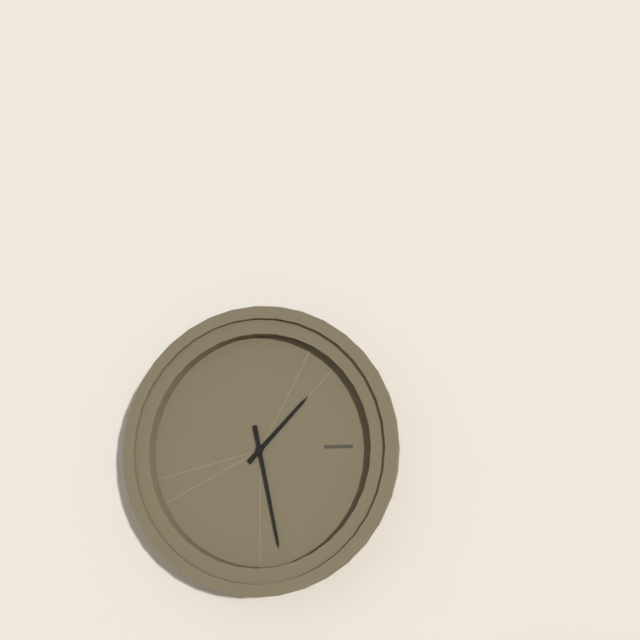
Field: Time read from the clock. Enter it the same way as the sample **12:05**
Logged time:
**1:28**
